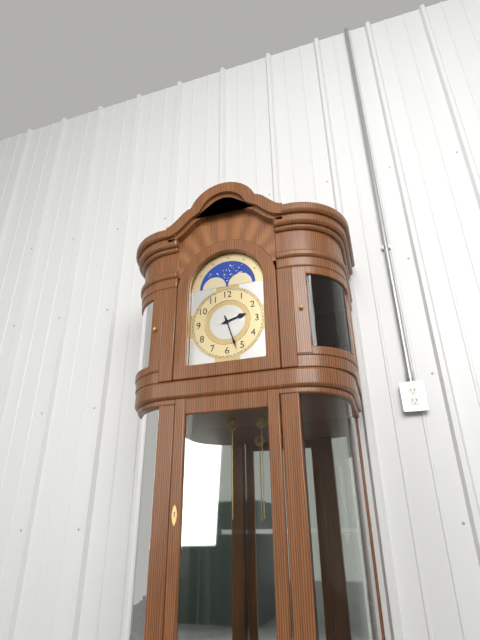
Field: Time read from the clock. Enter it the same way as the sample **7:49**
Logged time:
**2:27**
